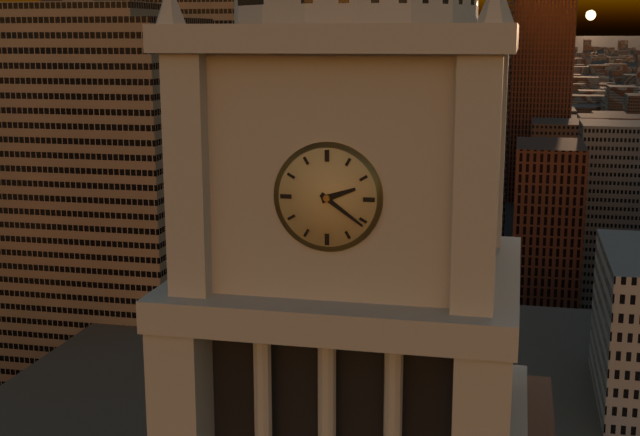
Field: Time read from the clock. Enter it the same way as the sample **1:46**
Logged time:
**2:21**
